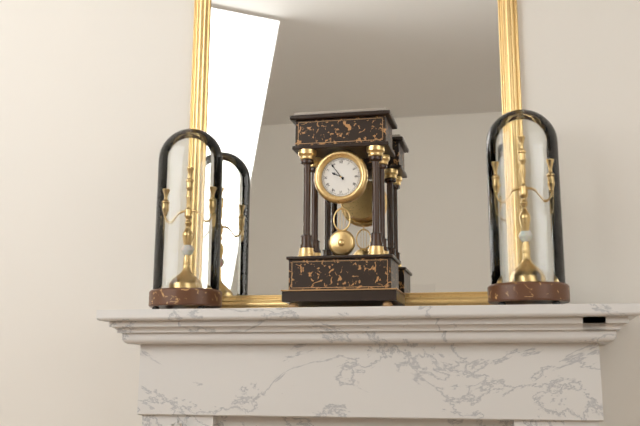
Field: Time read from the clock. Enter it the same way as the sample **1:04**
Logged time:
**9:54**
